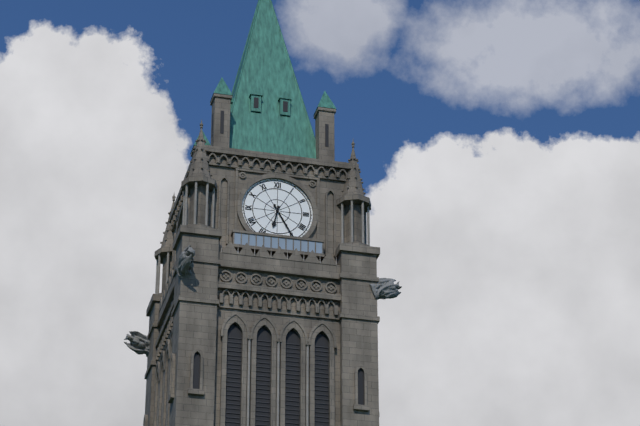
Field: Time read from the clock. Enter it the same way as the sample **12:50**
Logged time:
**6:25**
